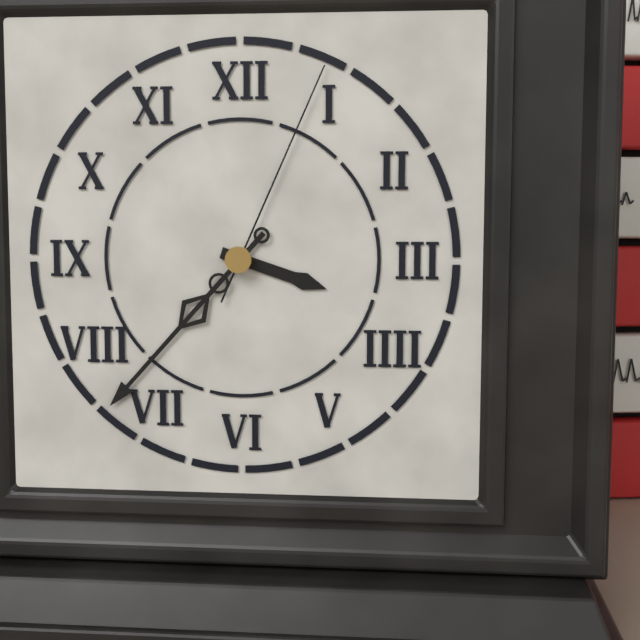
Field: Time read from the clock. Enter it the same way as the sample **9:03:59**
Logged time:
**3:37:04**
